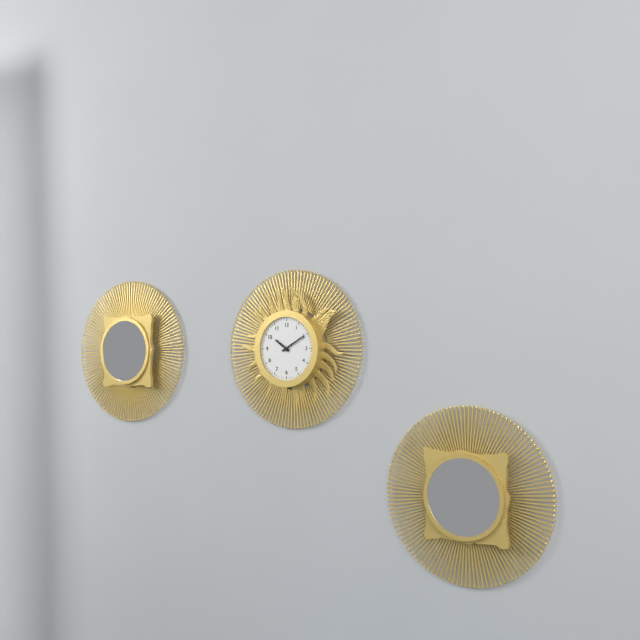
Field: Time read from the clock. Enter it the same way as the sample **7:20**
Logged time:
**10:10**
